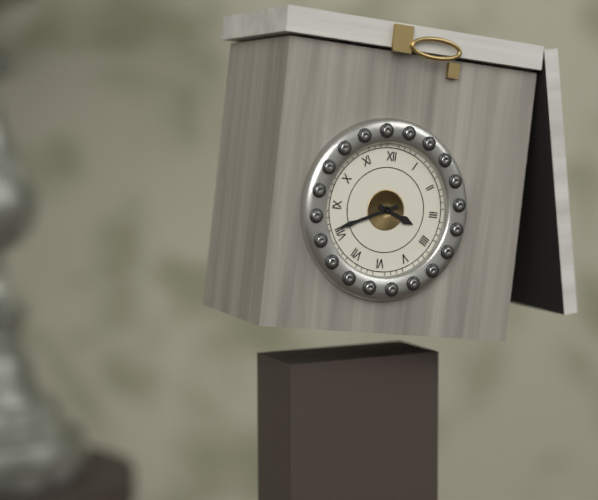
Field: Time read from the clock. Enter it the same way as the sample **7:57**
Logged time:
**3:41**
